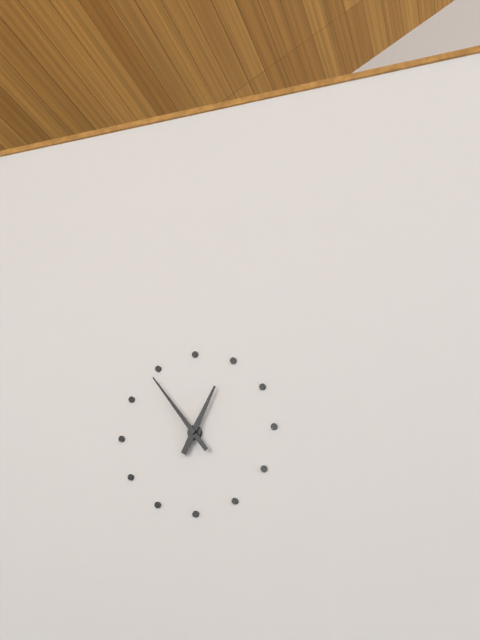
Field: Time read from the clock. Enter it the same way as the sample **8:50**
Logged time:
**12:54**
